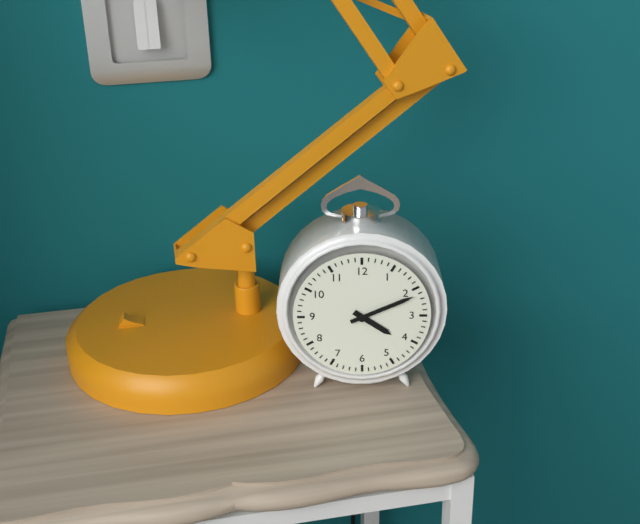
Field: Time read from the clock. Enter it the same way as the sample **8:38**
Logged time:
**4:11**
